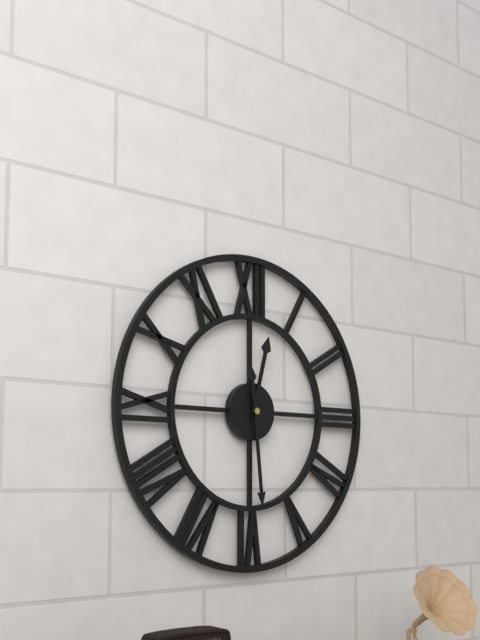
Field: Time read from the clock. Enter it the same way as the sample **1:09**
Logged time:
**12:29**
